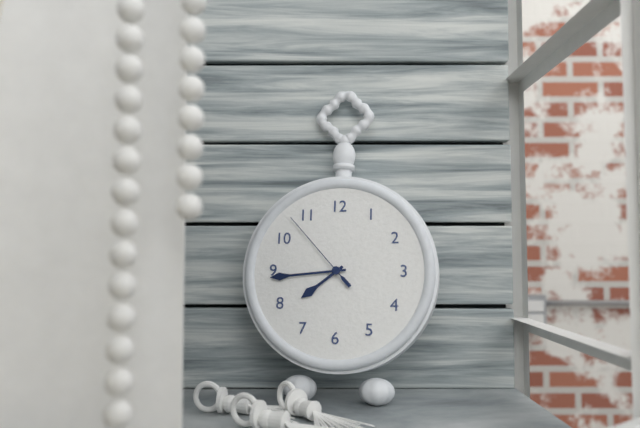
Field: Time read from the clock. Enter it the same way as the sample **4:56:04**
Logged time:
**7:44:53**
